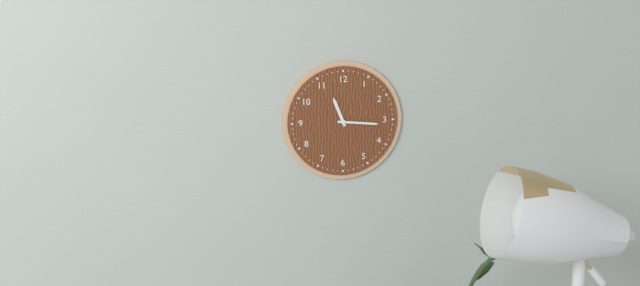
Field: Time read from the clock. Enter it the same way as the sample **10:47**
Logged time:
**11:16**
